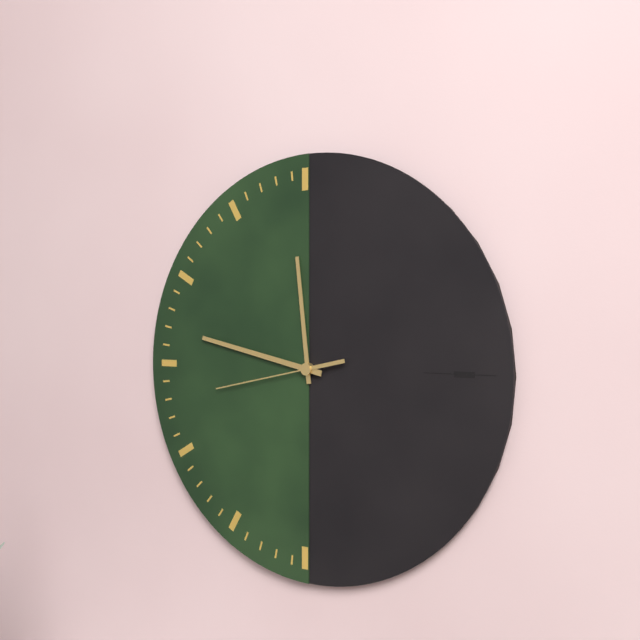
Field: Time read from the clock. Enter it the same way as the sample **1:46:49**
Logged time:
**11:47:43**
